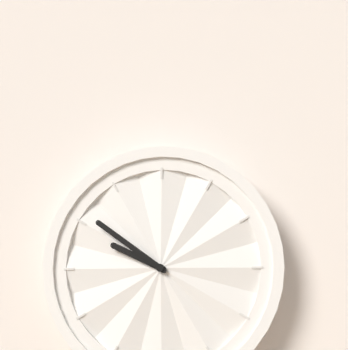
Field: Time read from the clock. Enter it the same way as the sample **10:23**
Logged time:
**9:51**
